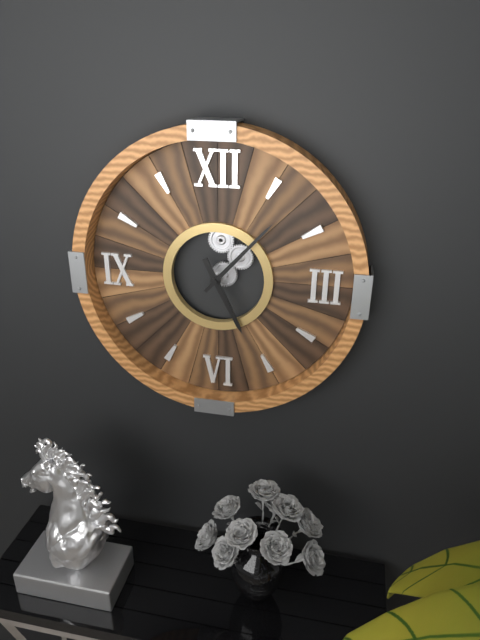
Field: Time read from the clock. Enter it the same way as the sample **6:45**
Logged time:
**5:07**
